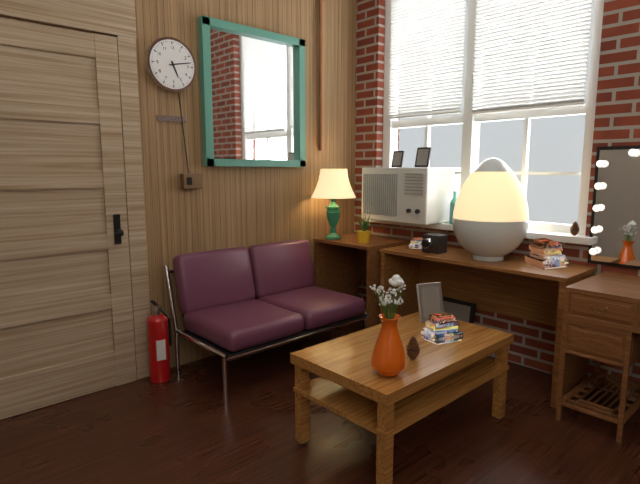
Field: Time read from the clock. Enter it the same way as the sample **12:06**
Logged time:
**5:13**
